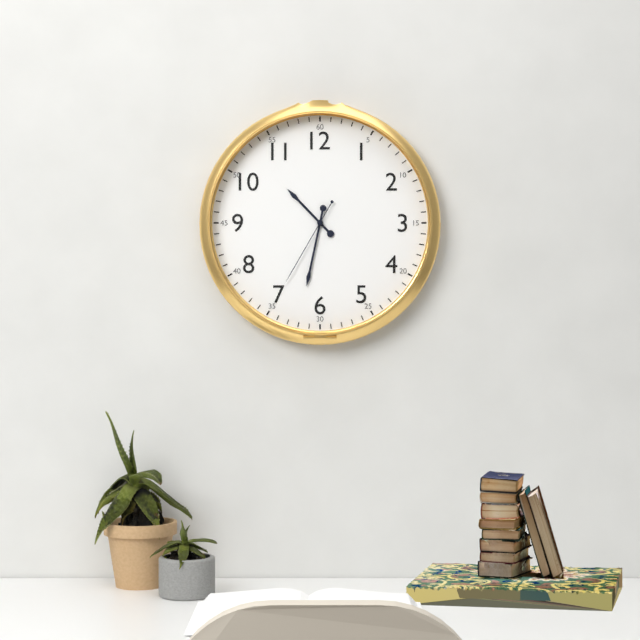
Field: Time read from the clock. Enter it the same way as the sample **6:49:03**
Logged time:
**10:32:35**
